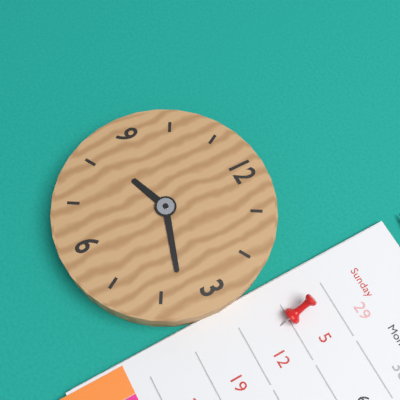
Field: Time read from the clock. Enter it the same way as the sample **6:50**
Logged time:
**8:18**
